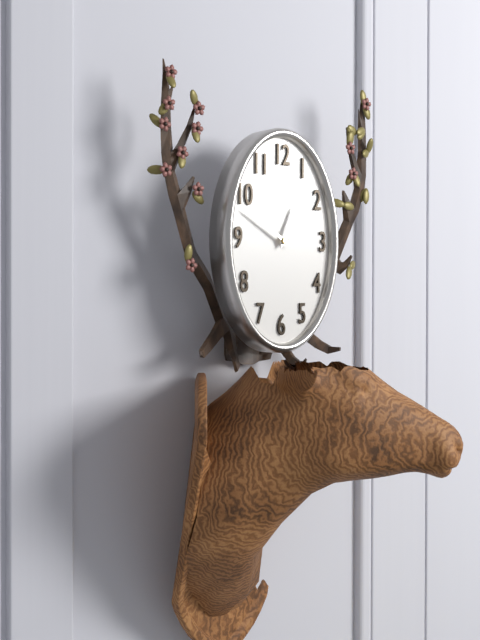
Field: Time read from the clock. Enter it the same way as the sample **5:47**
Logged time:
**12:50**
